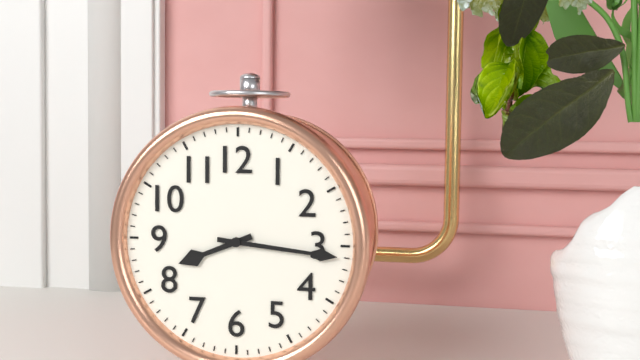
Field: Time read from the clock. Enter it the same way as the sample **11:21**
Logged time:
**8:16**
